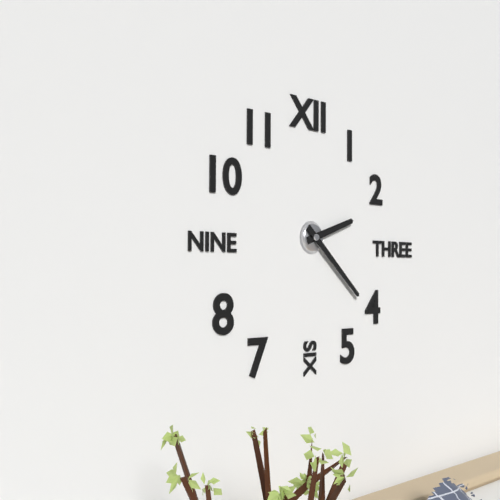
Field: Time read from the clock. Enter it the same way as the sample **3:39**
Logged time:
**2:22**
